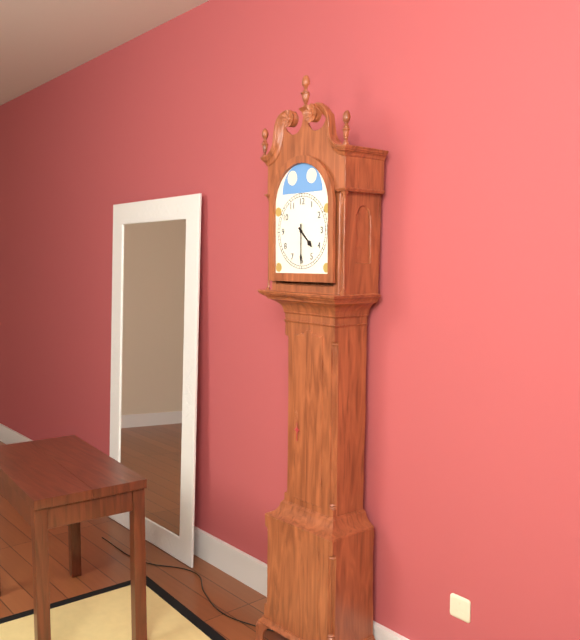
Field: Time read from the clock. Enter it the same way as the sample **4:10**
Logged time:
**4:30**
